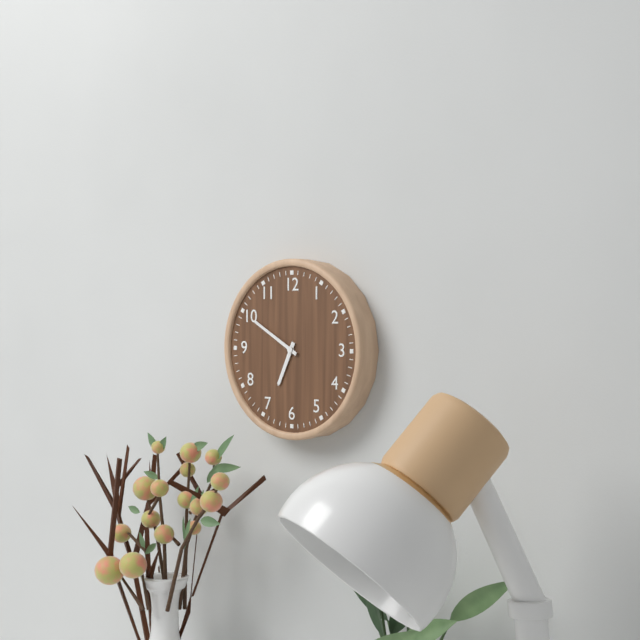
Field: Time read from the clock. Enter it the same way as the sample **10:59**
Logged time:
**6:50**
